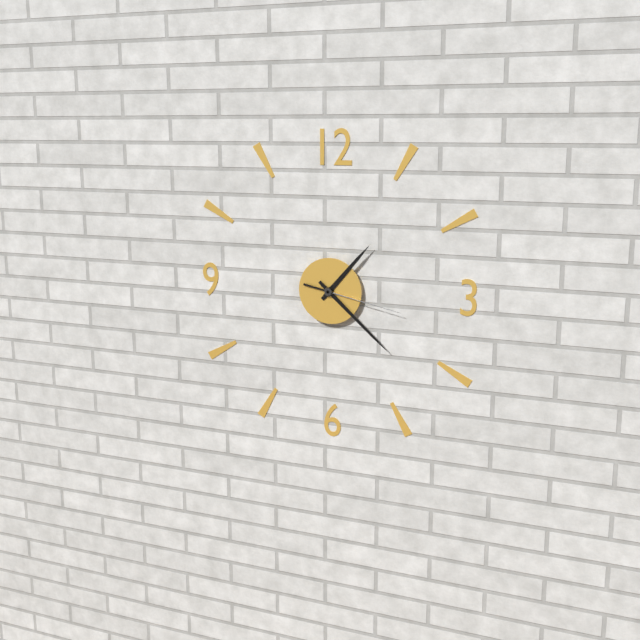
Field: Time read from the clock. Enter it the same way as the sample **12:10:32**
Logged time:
**1:22:17**
